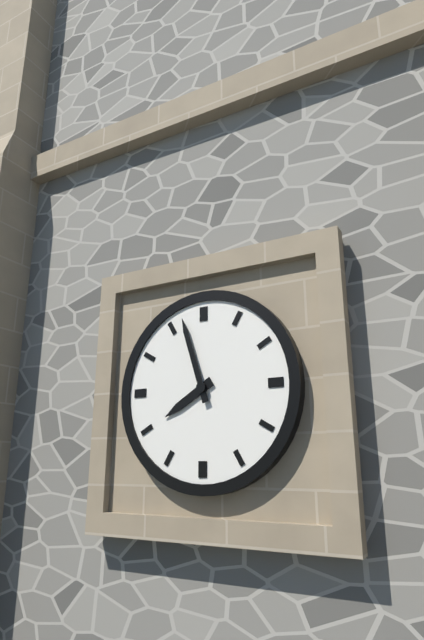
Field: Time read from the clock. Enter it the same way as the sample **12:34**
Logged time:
**7:57**
